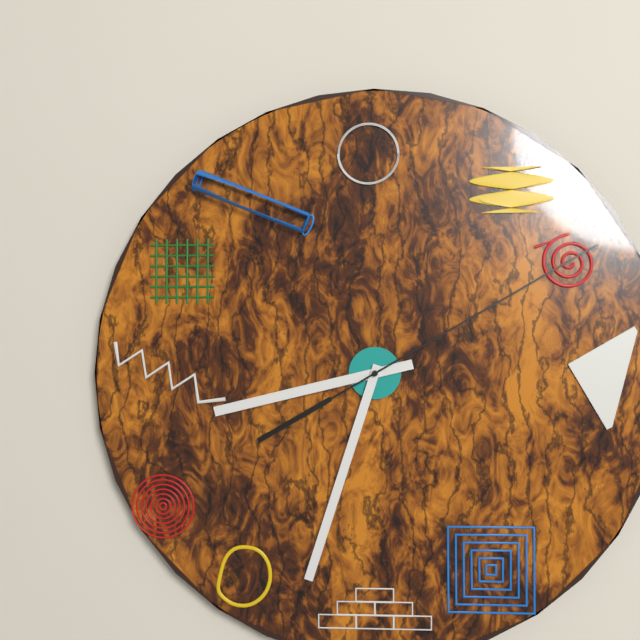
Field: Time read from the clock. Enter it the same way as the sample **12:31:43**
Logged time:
**8:33:10**
